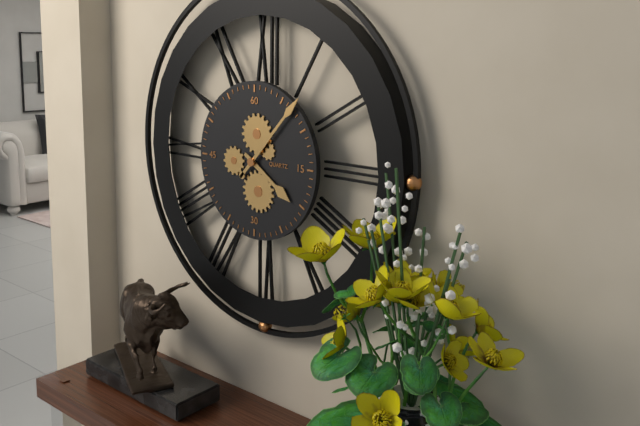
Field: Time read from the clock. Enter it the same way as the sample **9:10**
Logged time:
**4:07**
